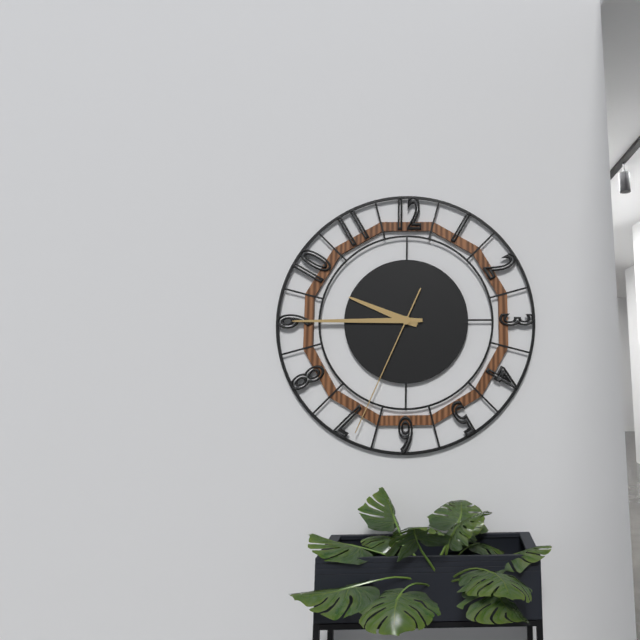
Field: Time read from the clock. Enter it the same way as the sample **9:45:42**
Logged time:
**9:45:34**
